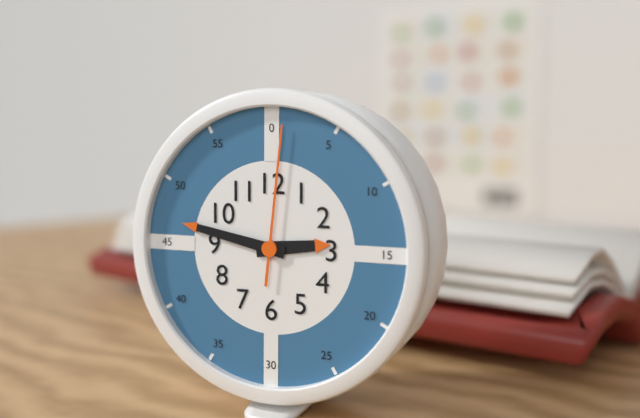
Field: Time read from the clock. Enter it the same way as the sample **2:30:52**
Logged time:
**2:47:01**
